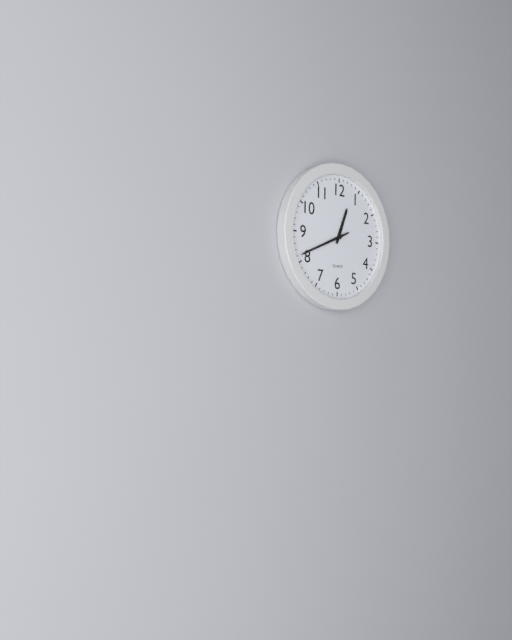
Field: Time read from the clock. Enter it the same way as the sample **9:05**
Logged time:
**12:41**
